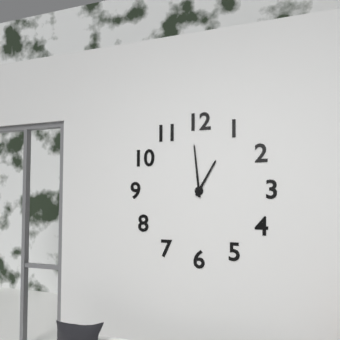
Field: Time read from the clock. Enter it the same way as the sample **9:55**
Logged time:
**12:59**
